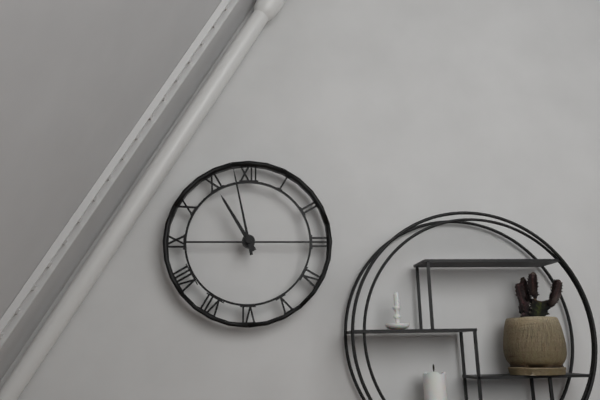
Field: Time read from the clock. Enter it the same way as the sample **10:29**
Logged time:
**10:58**
